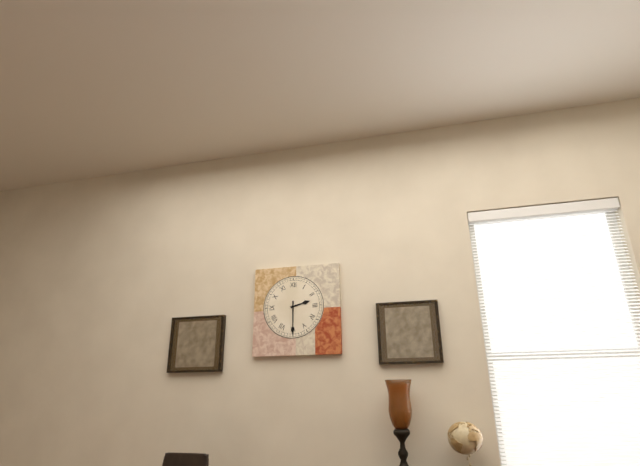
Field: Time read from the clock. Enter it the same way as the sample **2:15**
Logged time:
**2:30**
